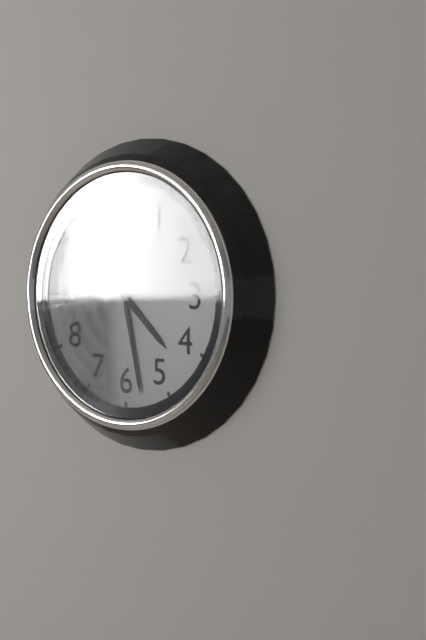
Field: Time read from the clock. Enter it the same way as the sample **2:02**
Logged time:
**4:28**
